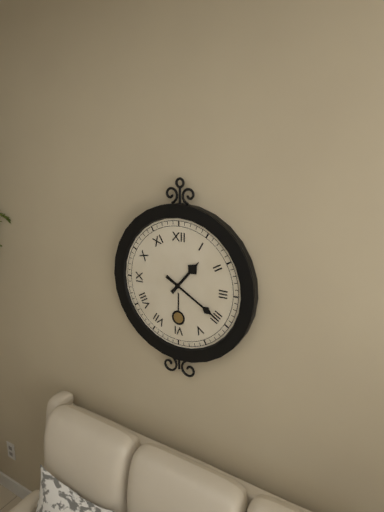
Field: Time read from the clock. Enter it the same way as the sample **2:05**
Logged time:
**1:20**
